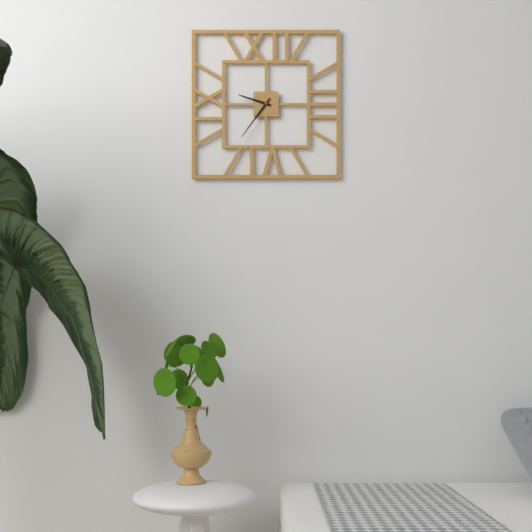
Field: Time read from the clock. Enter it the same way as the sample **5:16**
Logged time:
**9:36**
